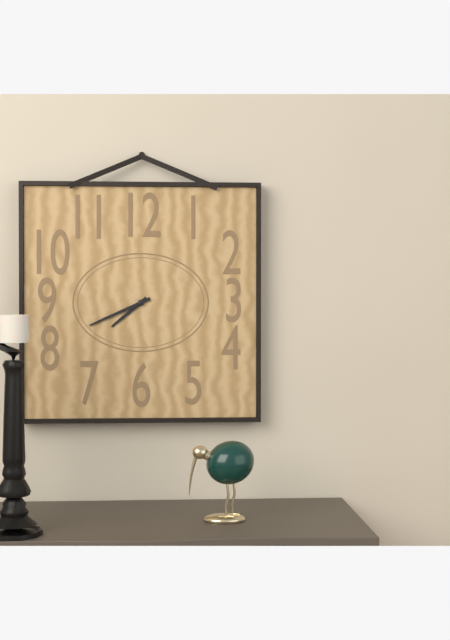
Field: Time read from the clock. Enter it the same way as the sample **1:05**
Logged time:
**7:41**
